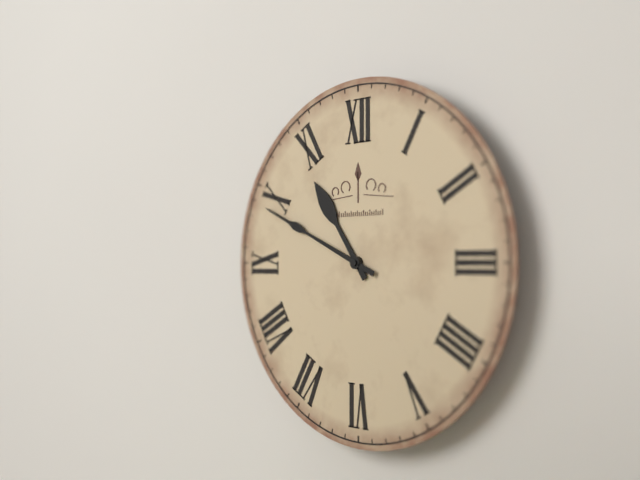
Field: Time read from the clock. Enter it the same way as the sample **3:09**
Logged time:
**10:49**
